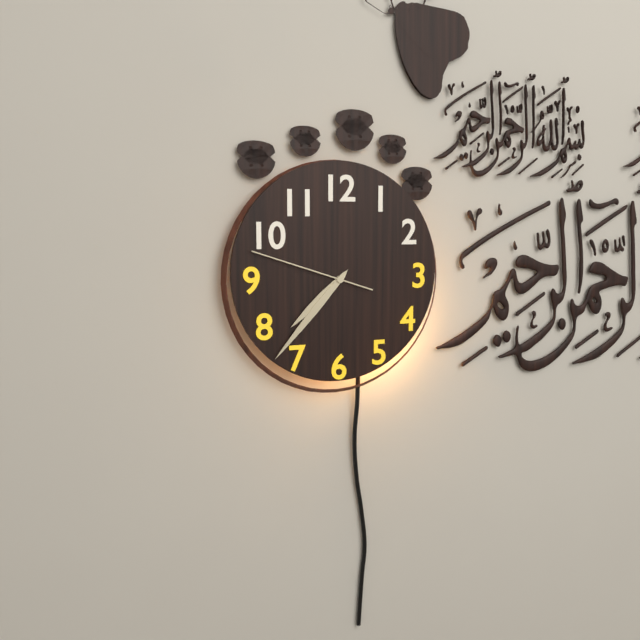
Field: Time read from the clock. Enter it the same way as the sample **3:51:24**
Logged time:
**7:37:48**
